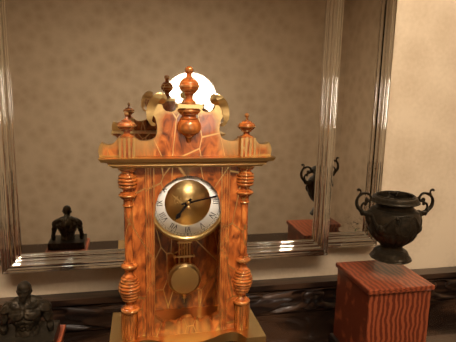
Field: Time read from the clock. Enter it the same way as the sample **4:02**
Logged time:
**7:13**
